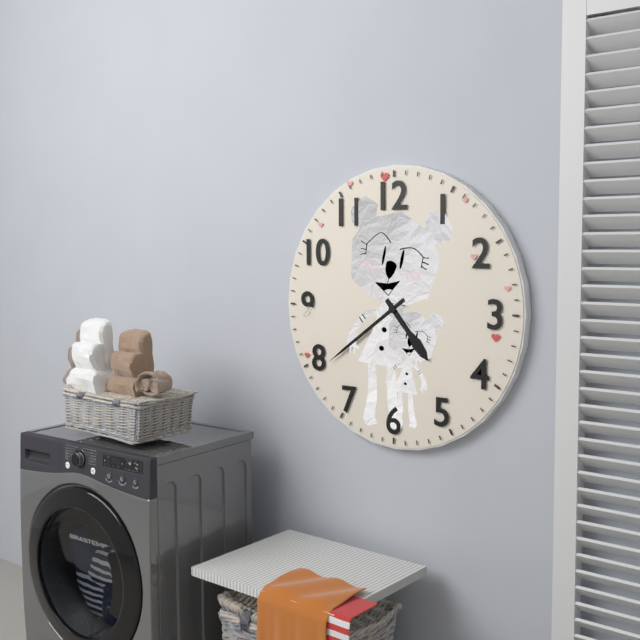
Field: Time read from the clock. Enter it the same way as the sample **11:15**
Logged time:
**4:39**
